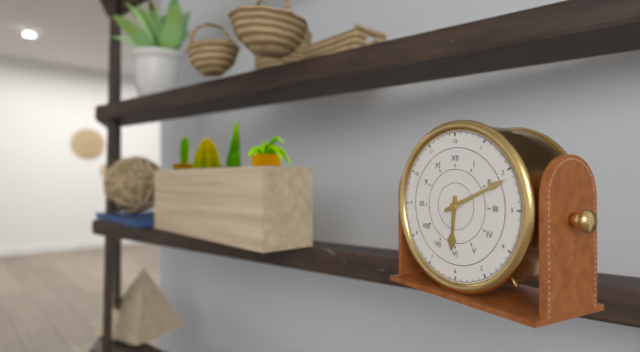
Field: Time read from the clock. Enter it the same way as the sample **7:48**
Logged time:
**6:11**
